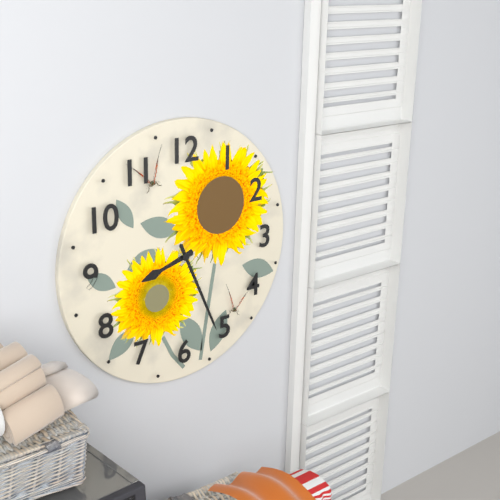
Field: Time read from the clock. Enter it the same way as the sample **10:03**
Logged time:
**8:26**
